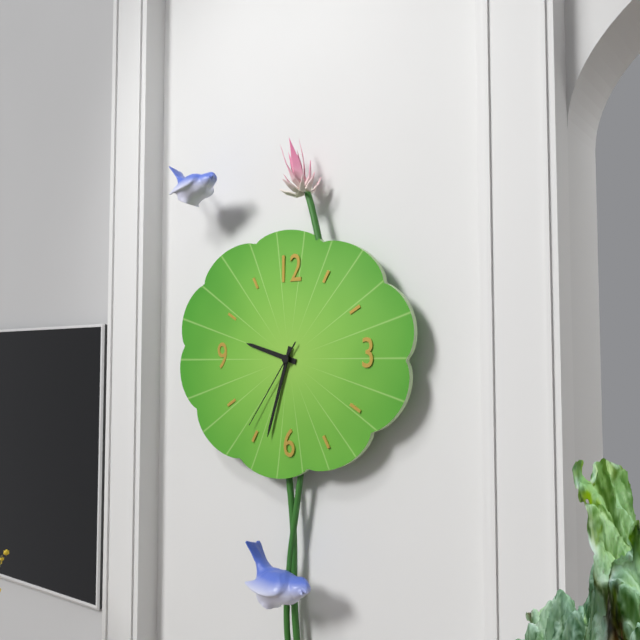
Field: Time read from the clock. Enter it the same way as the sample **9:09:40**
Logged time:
**9:33:36**
